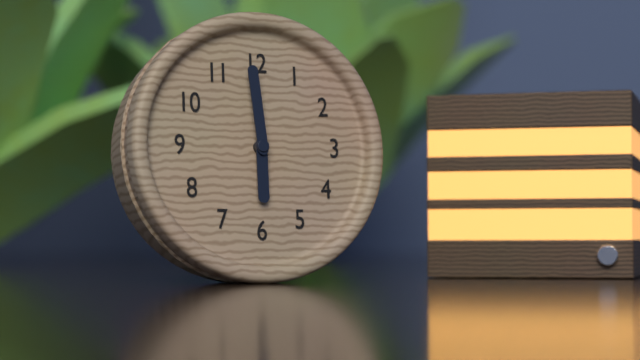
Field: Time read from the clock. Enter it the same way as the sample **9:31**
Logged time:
**5:59**
